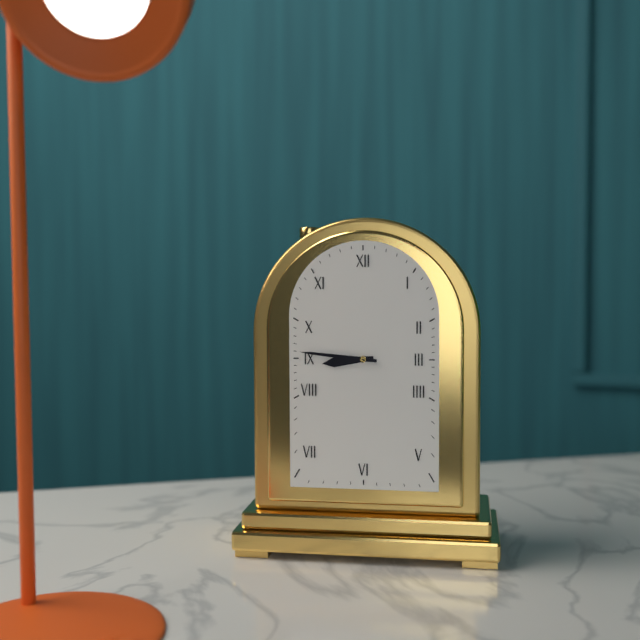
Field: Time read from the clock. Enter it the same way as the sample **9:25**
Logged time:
**8:46**
